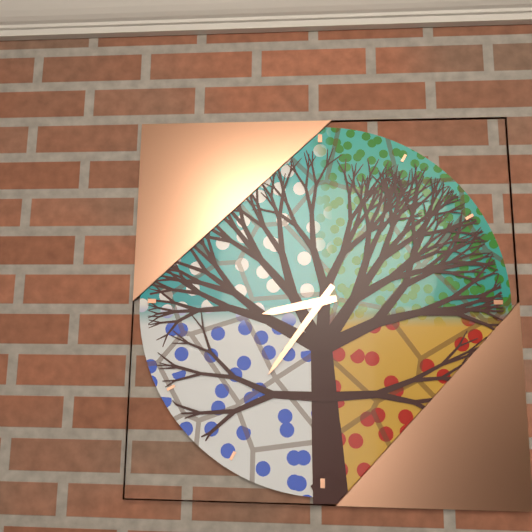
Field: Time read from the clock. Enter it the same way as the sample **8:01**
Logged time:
**8:36**
